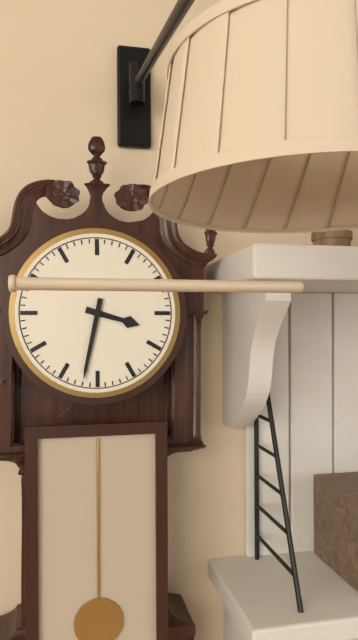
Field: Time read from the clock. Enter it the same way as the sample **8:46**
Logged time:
**3:32**
